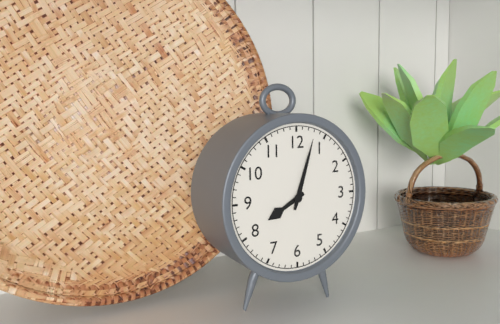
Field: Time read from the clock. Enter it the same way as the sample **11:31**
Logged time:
**8:03**
